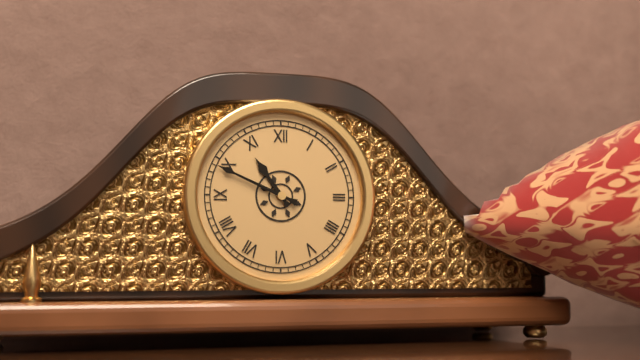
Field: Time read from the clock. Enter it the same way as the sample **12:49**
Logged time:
**10:49**
